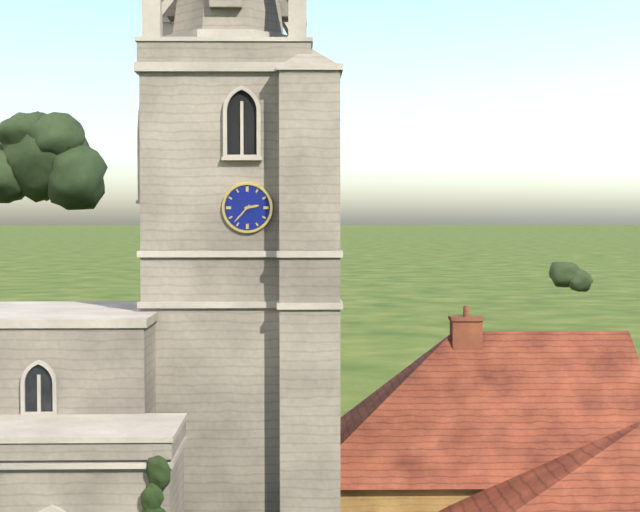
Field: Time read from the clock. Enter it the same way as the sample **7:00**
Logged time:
**2:37**
